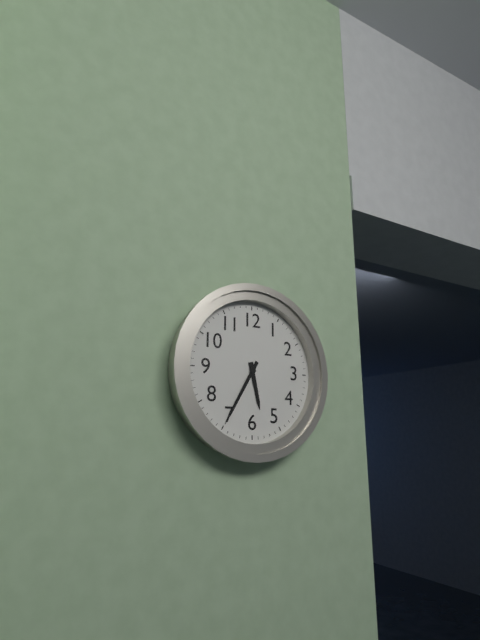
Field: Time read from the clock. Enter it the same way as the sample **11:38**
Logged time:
**5:35**
